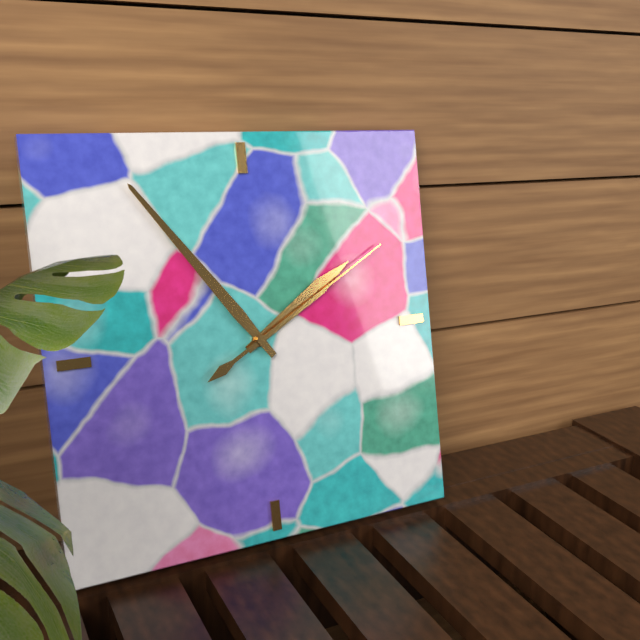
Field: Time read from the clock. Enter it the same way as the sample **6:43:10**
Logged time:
**1:54:10**
